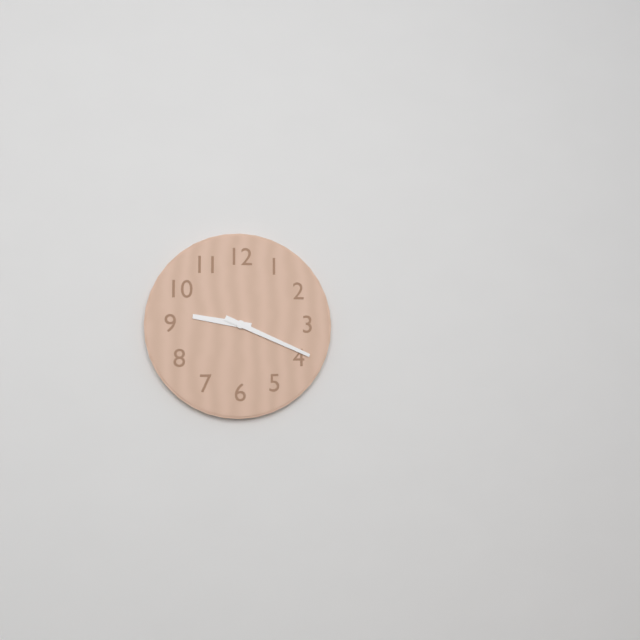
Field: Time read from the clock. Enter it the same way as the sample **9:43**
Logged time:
**9:19**
